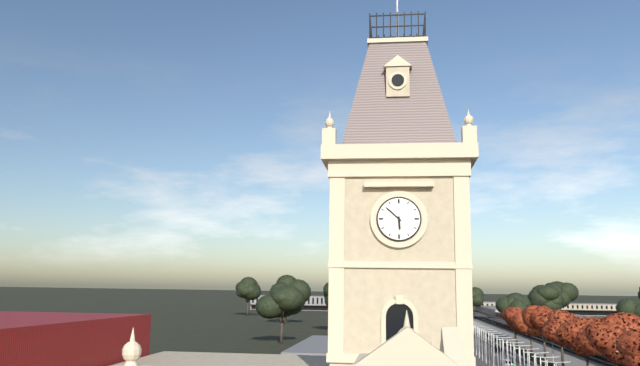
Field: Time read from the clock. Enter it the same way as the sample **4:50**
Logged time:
**5:52**
